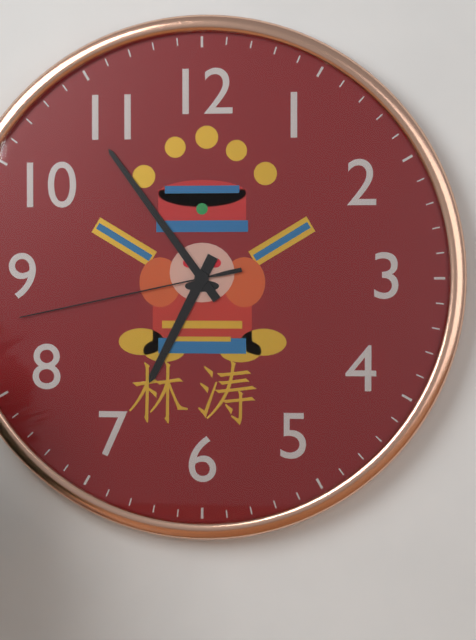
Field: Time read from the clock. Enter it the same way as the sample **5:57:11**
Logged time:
**6:54:43**
